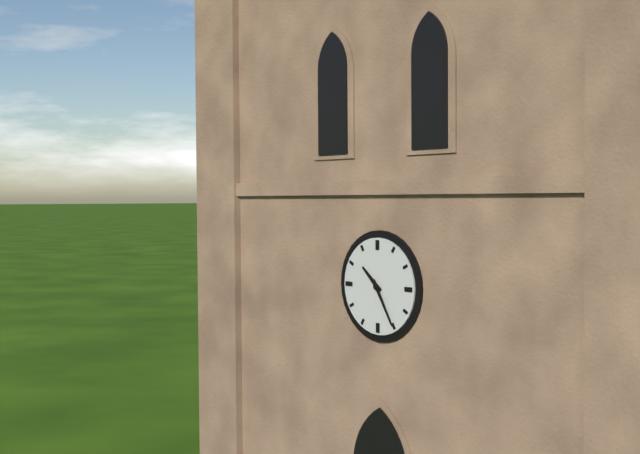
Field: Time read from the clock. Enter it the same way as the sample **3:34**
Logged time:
**10:25**
